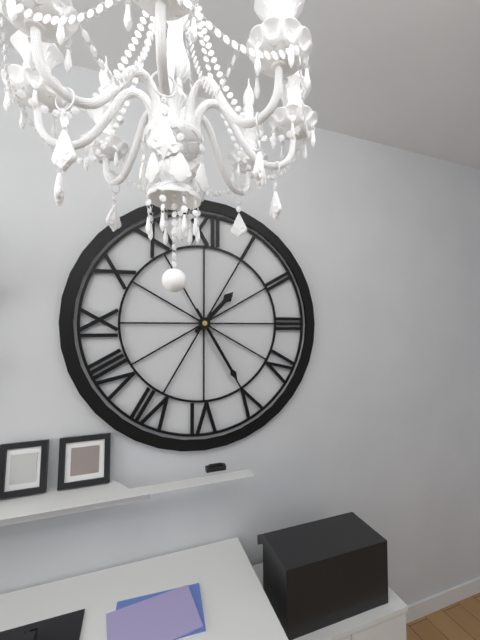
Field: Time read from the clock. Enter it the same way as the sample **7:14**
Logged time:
**1:25**
